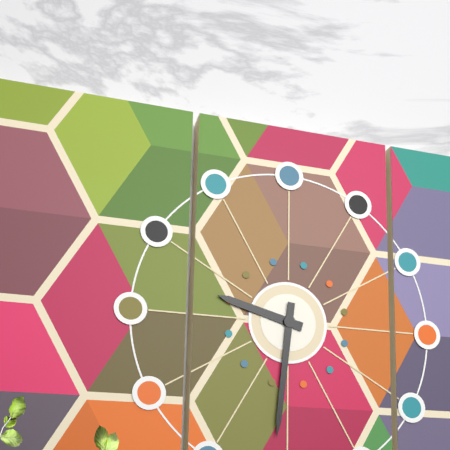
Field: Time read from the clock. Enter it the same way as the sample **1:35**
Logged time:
**9:31**
